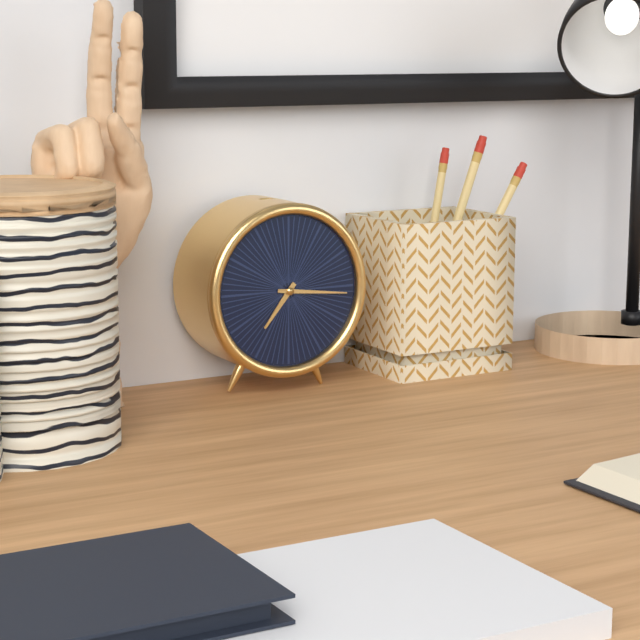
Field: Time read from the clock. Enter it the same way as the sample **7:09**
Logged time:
**7:16**
